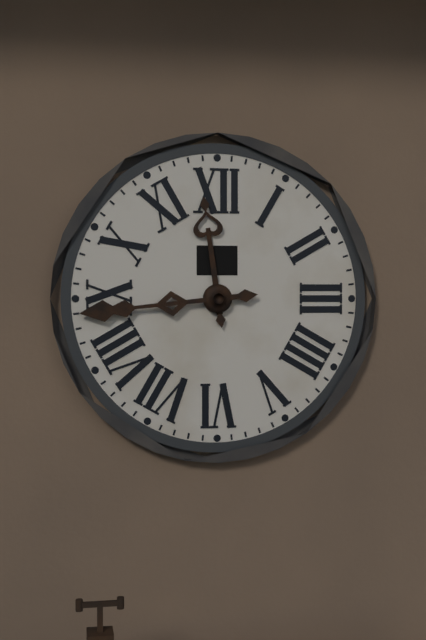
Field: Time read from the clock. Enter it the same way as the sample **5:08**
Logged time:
**11:44**
